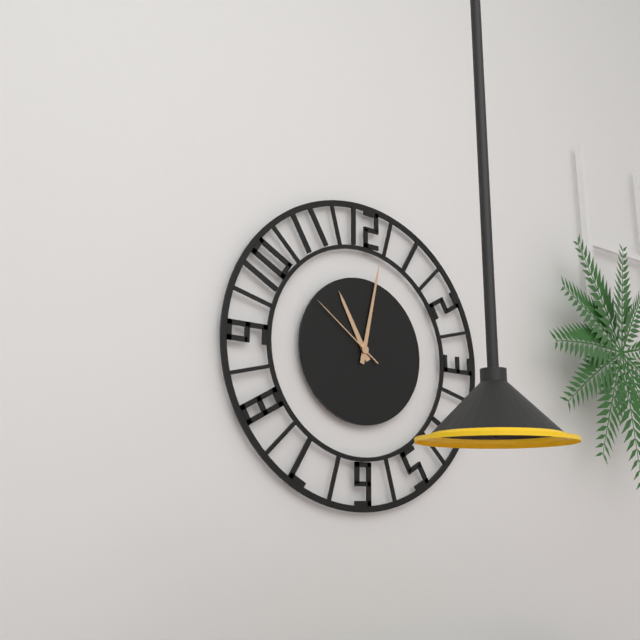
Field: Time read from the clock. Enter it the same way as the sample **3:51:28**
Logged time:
**11:02:51**
